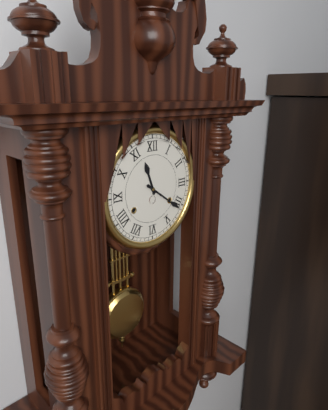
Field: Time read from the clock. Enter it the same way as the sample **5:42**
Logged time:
**11:21**
